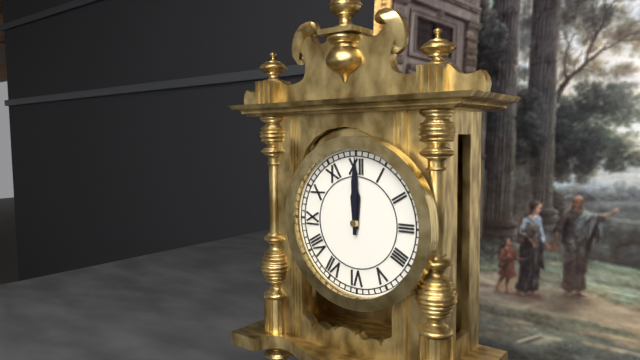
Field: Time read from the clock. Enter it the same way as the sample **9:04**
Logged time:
**12:00**
